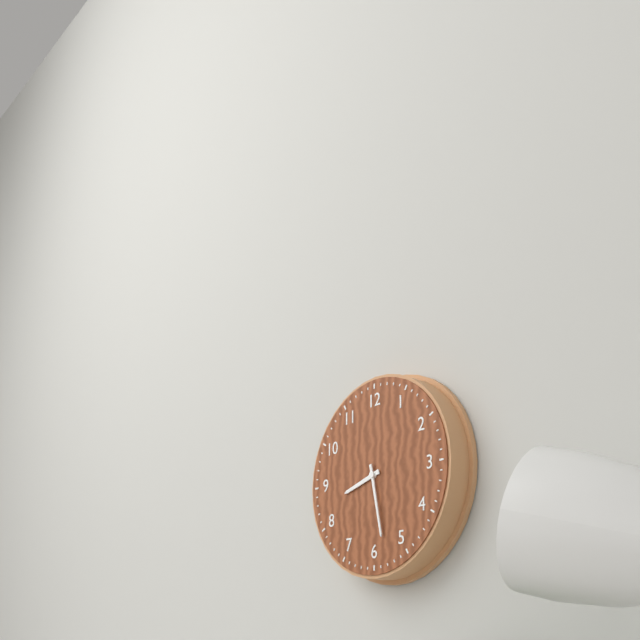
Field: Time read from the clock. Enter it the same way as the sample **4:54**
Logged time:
**8:28**
